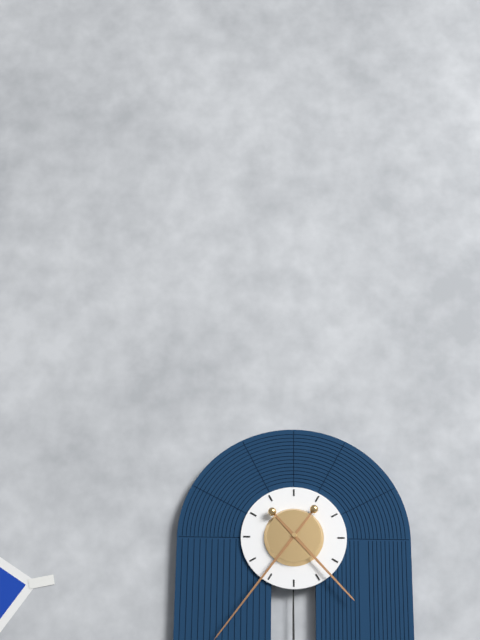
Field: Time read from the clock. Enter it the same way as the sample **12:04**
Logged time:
**4:36**
